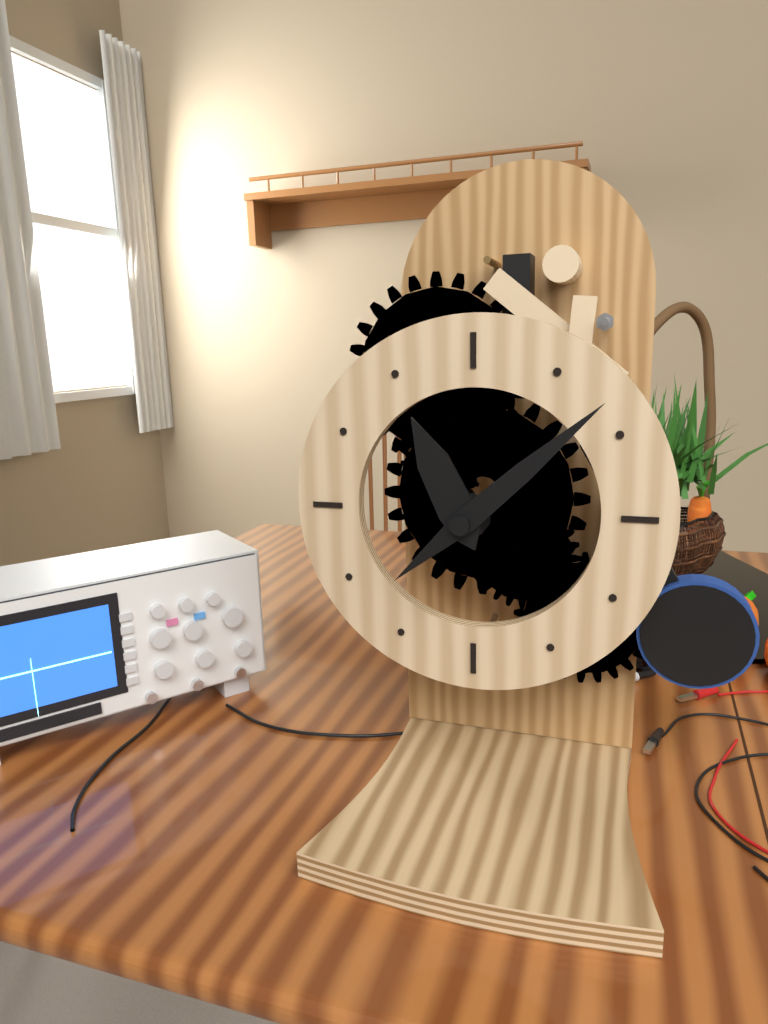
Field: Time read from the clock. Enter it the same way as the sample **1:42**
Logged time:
**11:08**
